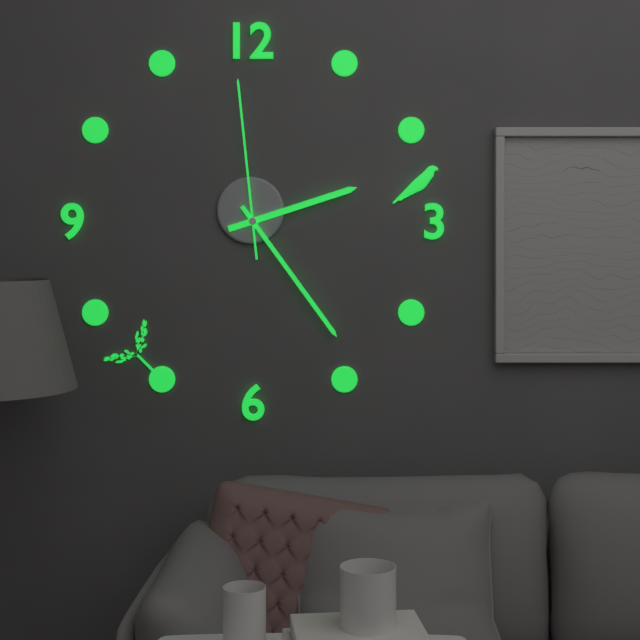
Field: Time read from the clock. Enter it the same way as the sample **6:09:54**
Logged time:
**2:24:59**
